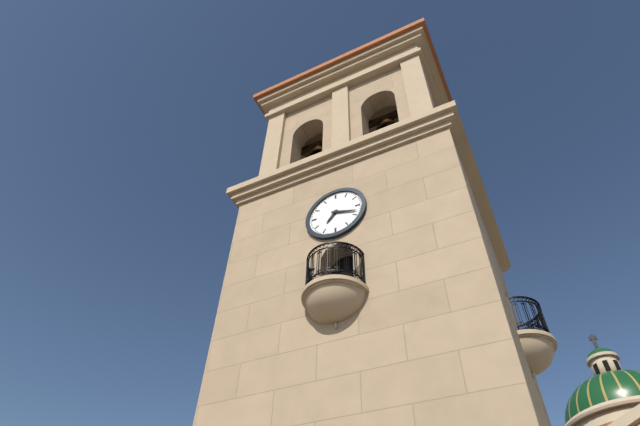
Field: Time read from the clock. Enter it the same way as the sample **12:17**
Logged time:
**7:18**
